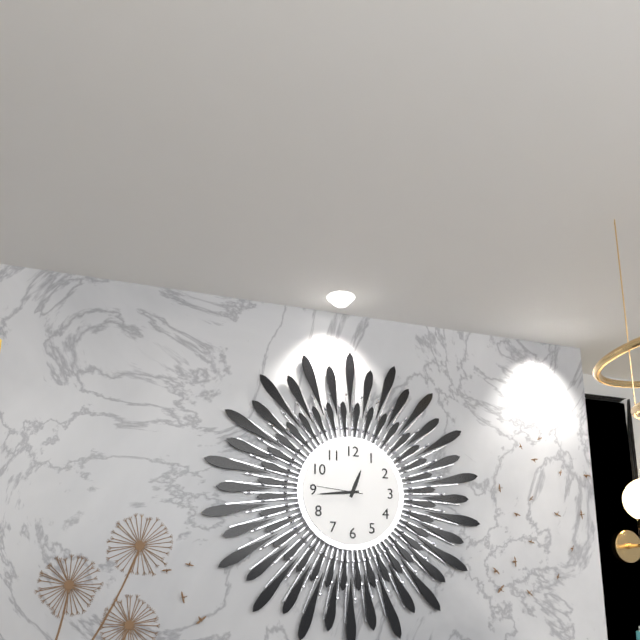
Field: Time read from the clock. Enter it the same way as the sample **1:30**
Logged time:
**12:44**
